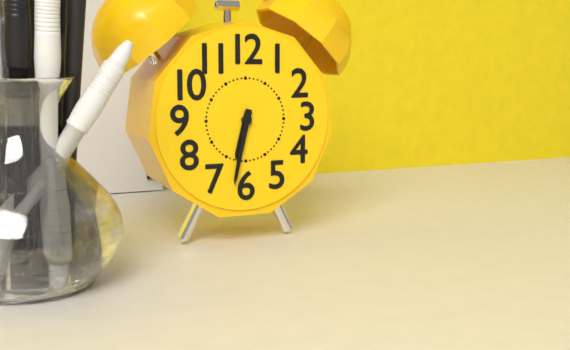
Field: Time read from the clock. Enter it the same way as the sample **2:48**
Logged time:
**6:32**
